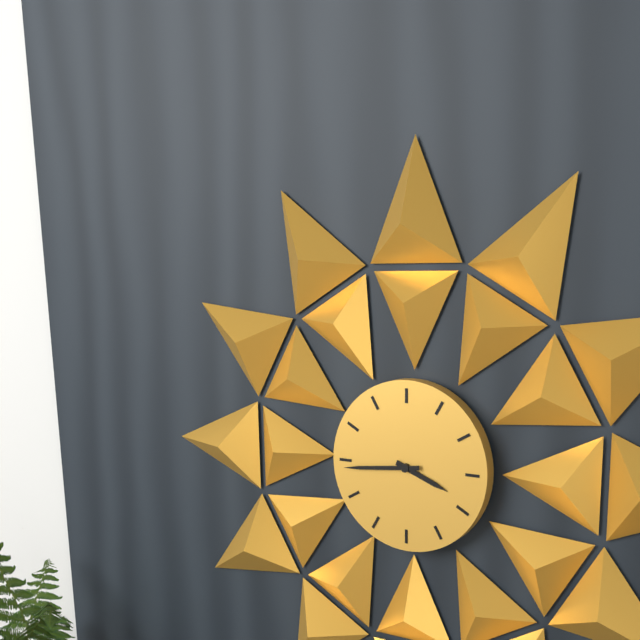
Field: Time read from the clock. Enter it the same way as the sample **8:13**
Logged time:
**3:44**
